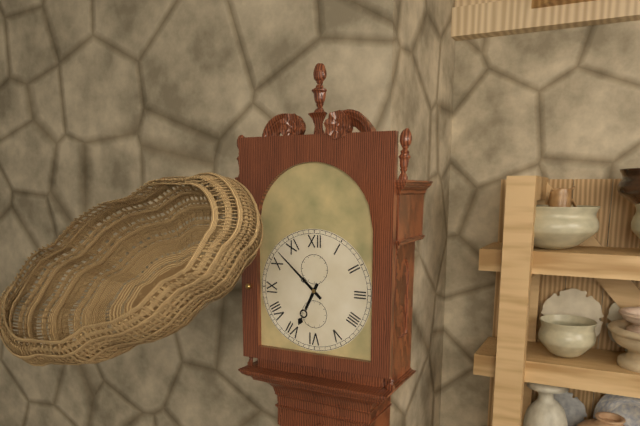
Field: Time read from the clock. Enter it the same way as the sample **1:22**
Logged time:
**6:52**
